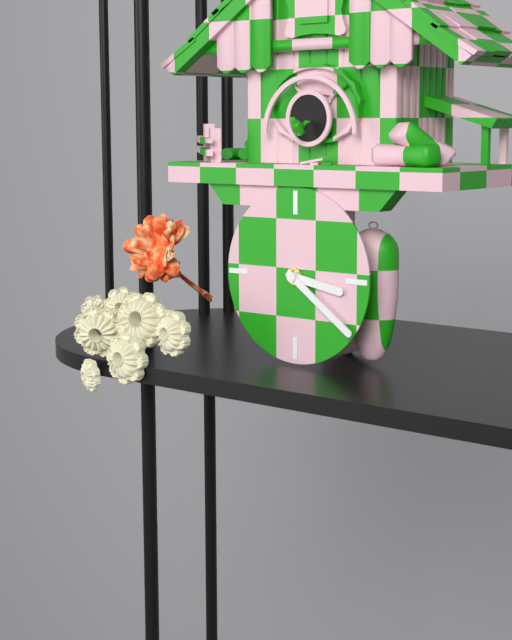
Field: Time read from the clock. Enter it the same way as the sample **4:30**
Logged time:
**3:21**
